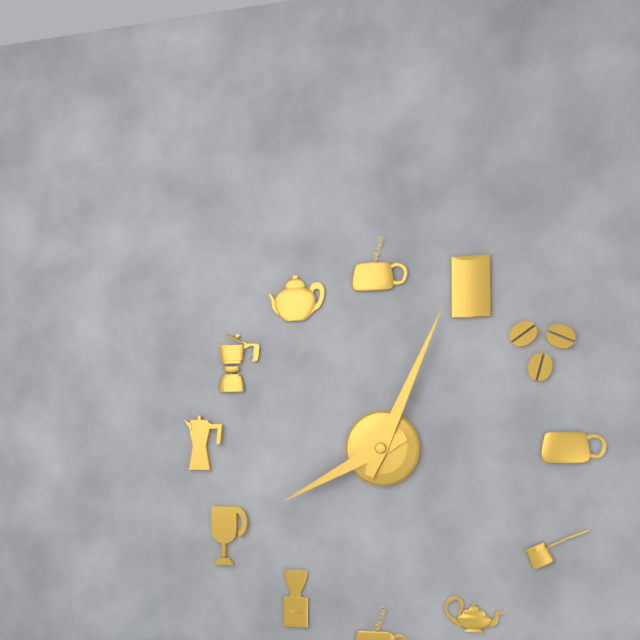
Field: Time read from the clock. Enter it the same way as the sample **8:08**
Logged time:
**8:04**
